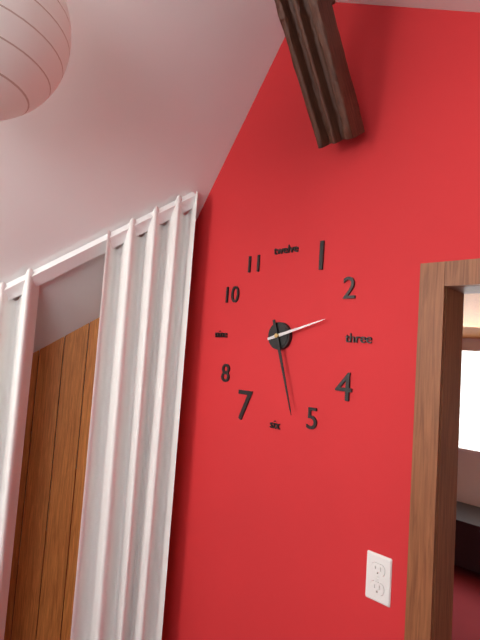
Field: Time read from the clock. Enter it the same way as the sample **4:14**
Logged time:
**2:27**
